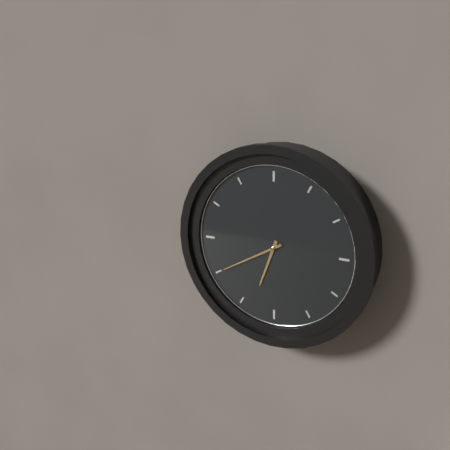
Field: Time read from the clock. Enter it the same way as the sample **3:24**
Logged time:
**6:40**
